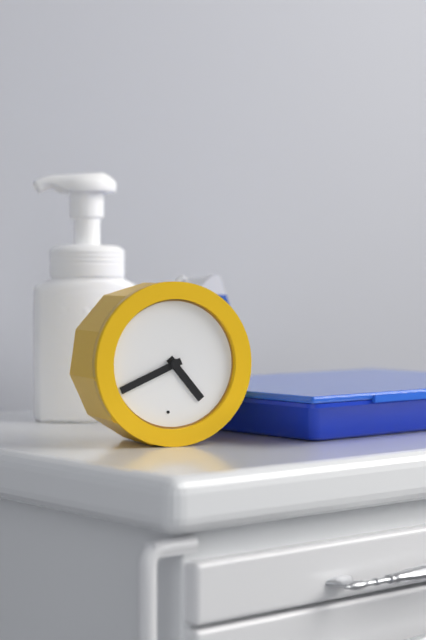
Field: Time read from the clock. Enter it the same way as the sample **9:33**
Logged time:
**4:41**
